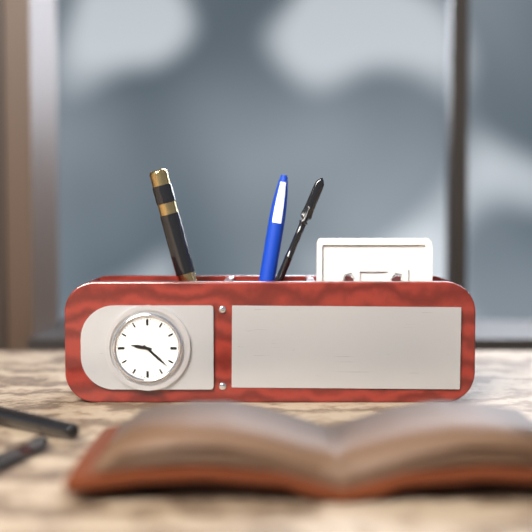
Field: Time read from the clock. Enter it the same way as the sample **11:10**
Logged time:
**9:22**
